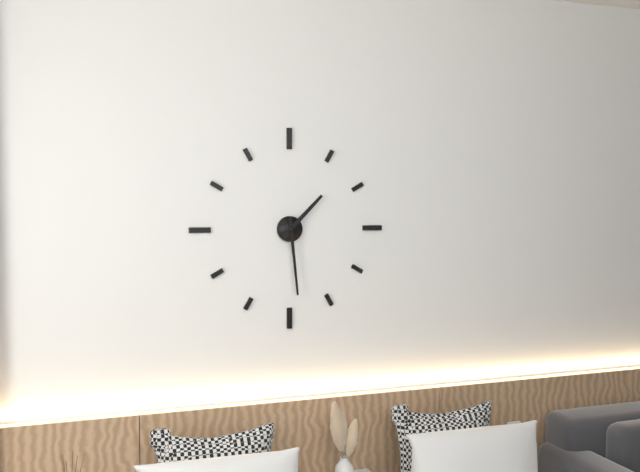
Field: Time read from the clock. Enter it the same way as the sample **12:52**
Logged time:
**1:29**
